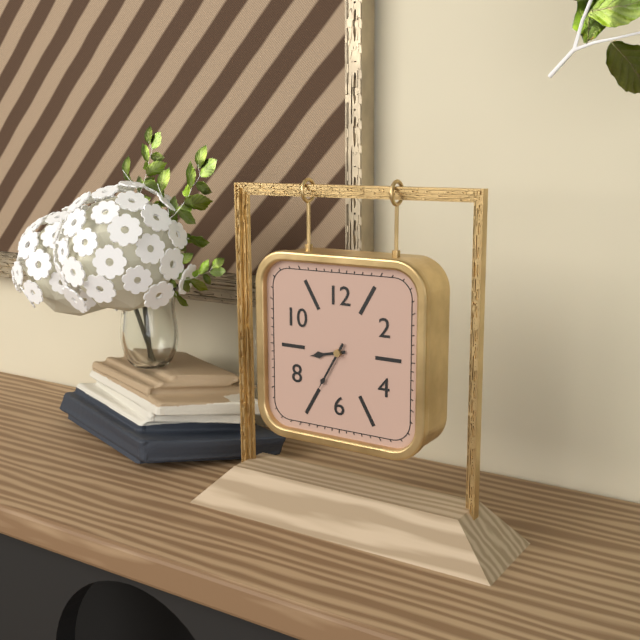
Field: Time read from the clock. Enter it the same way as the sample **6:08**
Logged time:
**8:35**
